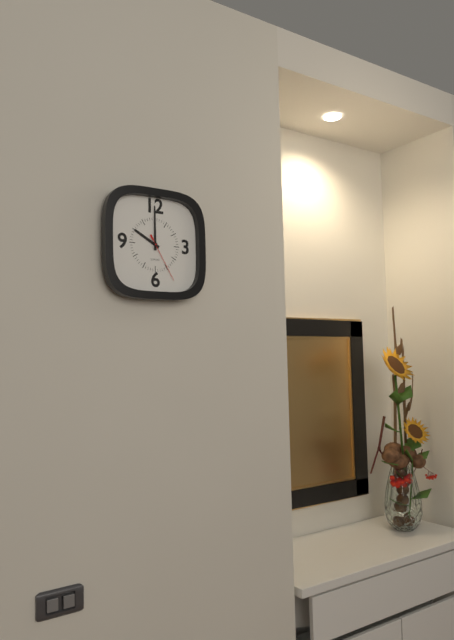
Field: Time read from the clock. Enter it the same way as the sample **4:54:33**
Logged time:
**10:00:25**
